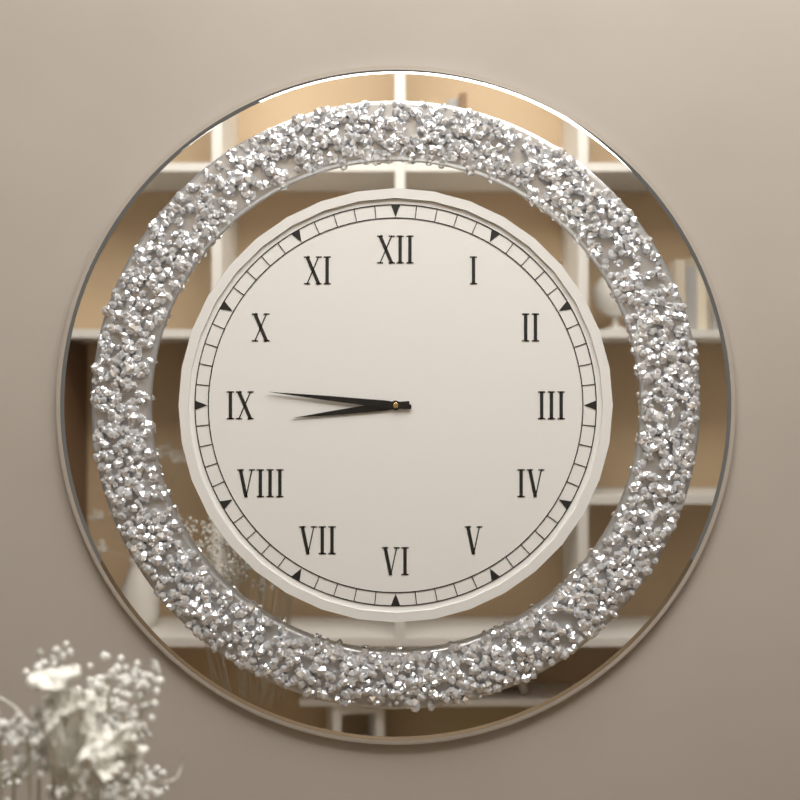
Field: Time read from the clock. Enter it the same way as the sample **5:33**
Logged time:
**8:46**
